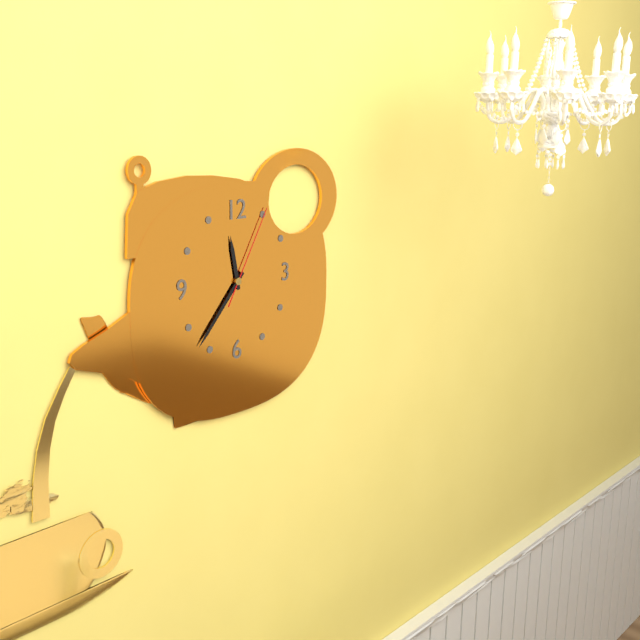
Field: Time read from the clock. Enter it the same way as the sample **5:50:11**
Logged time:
**11:37:05**
